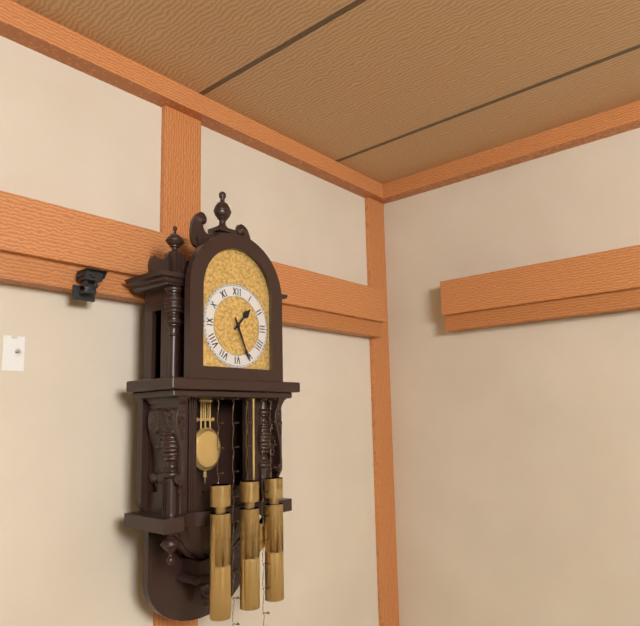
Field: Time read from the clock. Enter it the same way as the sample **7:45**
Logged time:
**1:26**
